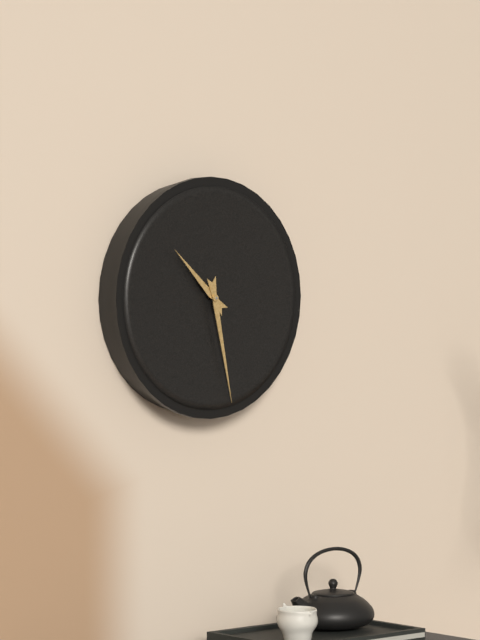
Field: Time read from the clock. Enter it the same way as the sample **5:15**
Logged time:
**10:28**
